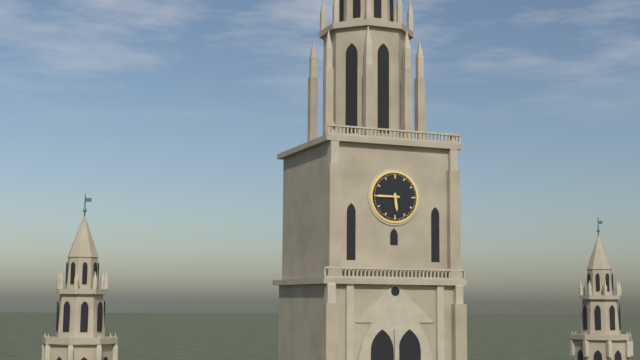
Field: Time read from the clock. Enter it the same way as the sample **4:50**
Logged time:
**5:45**
